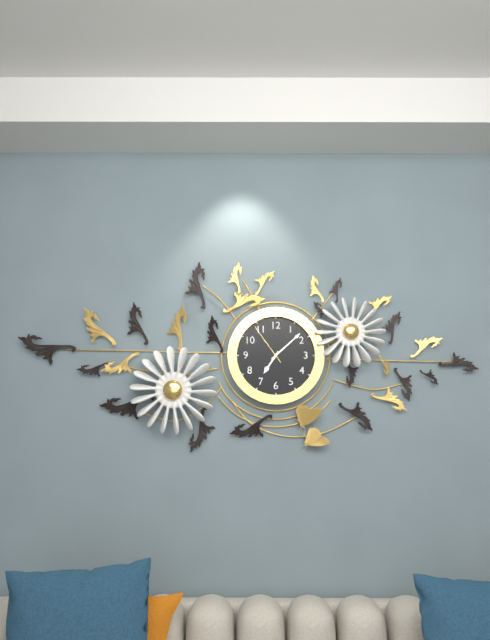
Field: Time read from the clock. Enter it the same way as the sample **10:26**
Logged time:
**7:08**
